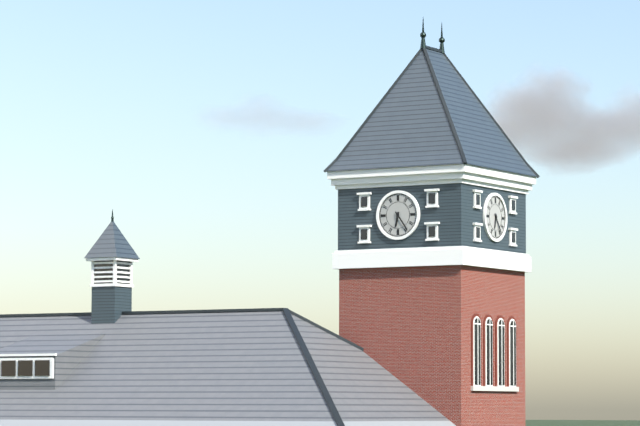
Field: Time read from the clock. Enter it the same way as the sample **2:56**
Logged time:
**6:24**
